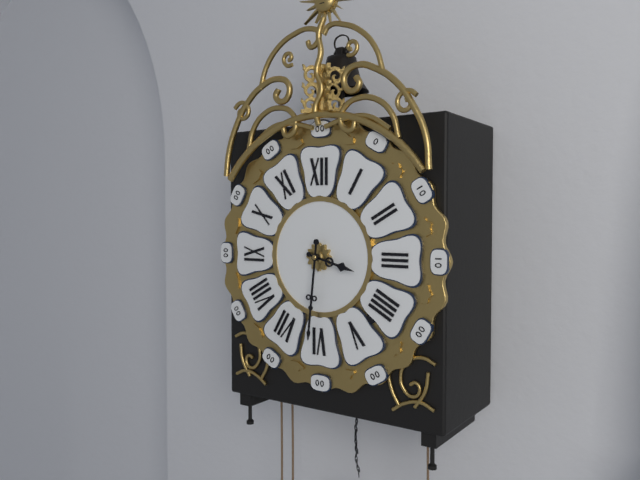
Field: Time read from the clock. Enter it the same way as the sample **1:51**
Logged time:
**3:31**
